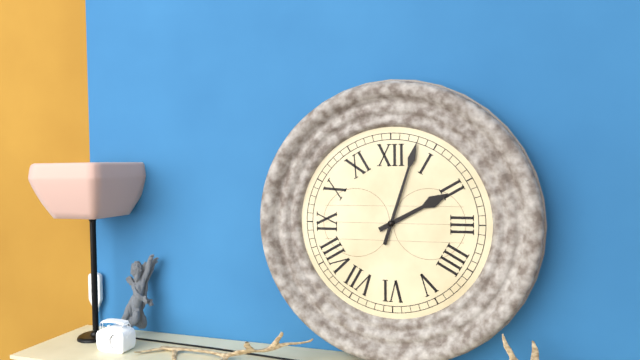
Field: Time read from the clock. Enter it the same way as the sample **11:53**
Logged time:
**2:03**
